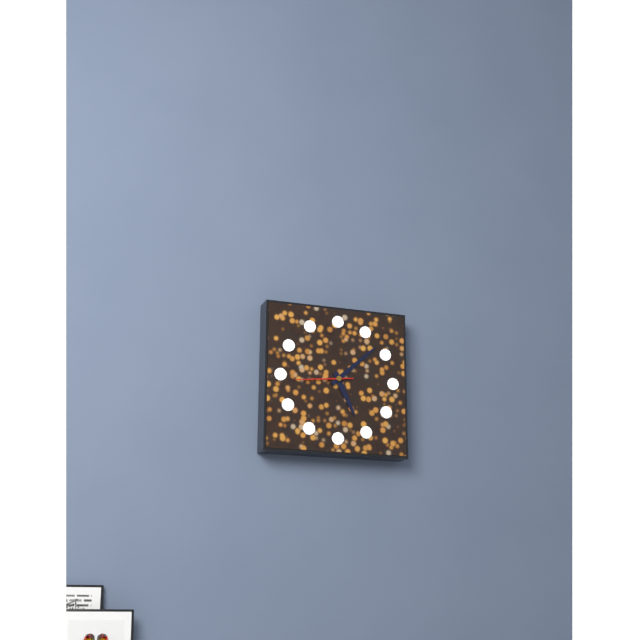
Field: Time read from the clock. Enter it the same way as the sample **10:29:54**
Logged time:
**5:08:44**
